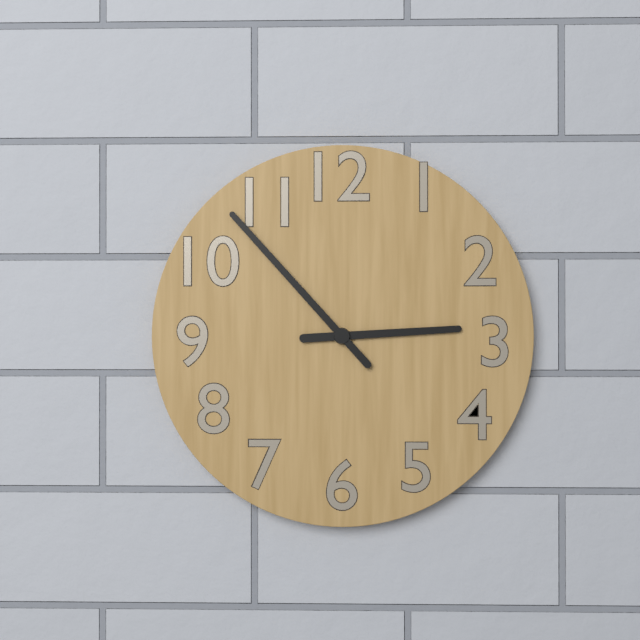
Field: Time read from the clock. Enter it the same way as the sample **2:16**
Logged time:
**2:53**
